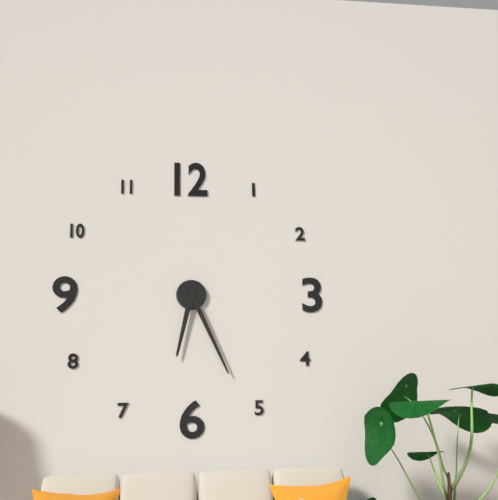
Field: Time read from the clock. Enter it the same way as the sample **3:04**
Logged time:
**6:26**
